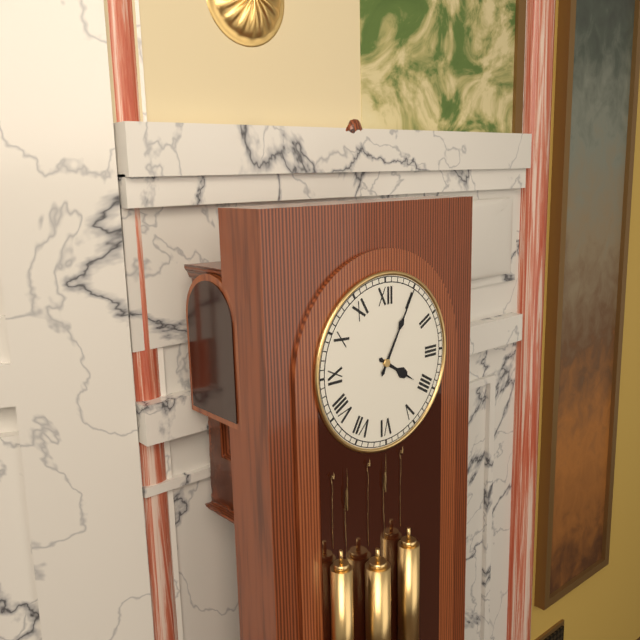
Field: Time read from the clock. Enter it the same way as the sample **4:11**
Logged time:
**4:05**
